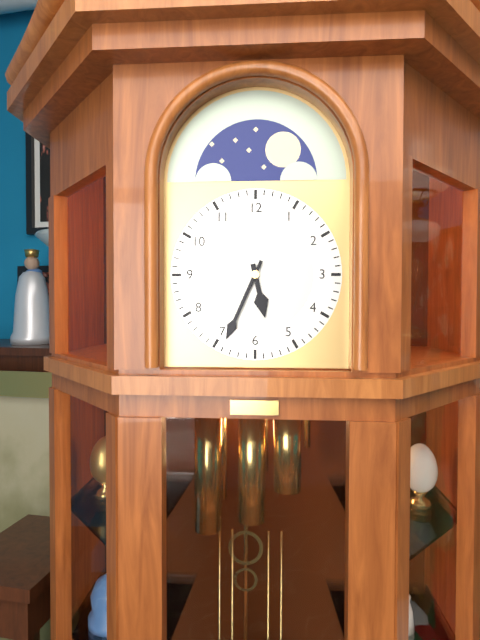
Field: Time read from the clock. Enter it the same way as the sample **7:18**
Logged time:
**5:34**
